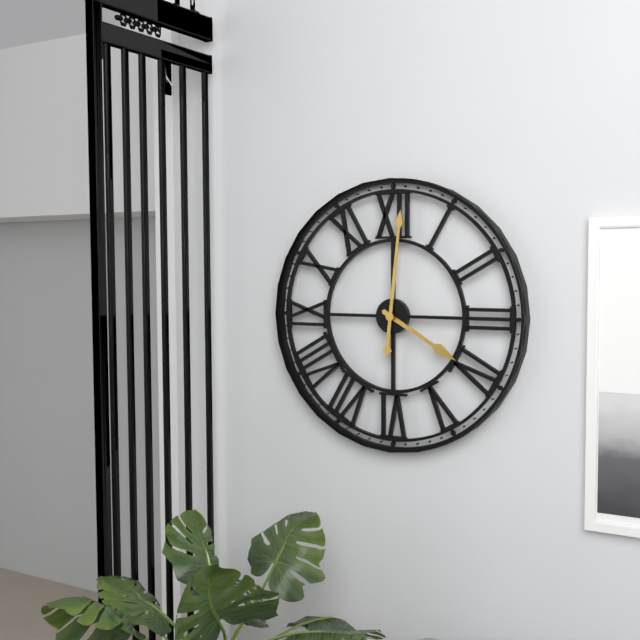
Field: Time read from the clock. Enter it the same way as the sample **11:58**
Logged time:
**4:01**
